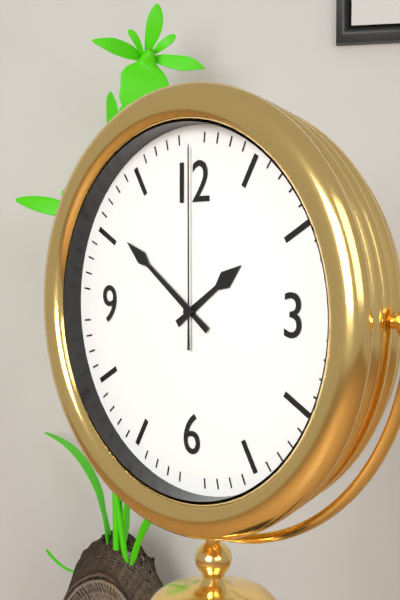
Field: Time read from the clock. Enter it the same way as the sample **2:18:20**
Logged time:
**1:51:00**
